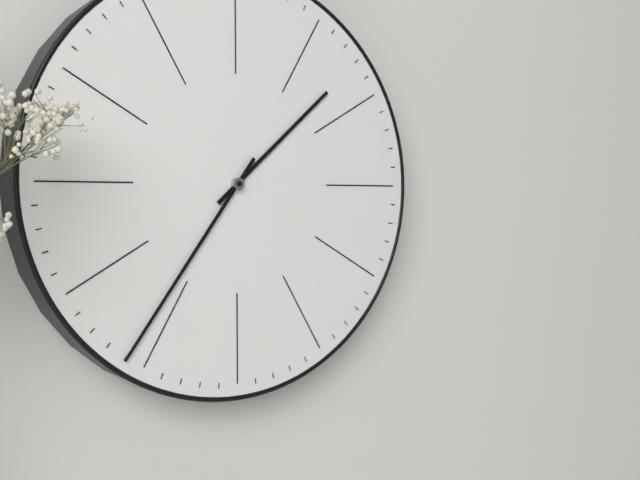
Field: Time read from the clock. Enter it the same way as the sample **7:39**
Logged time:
**1:36**
